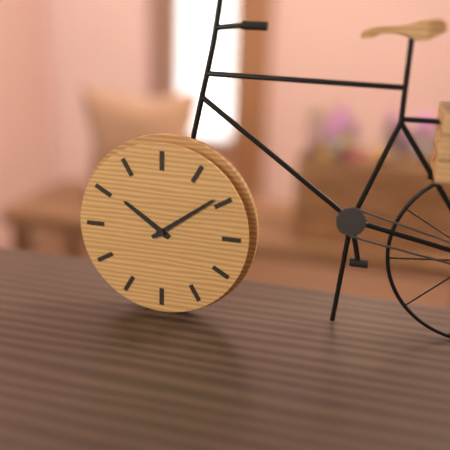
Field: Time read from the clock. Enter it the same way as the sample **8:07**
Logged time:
**10:09**
